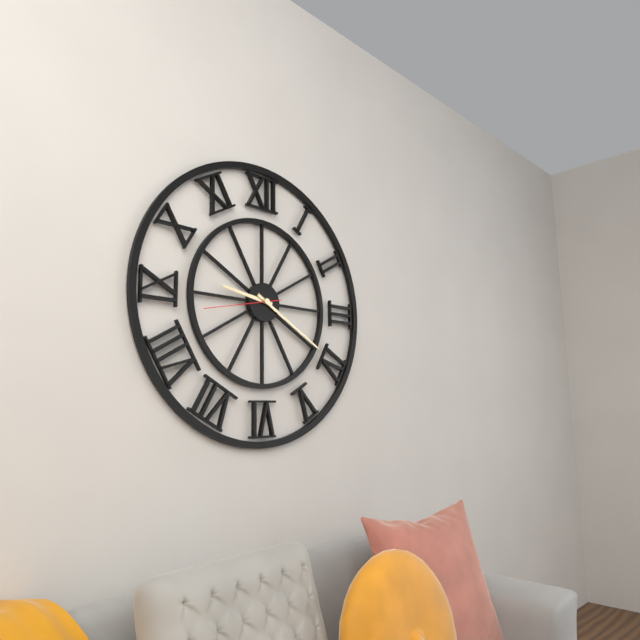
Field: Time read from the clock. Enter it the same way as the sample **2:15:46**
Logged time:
**9:20:43**
